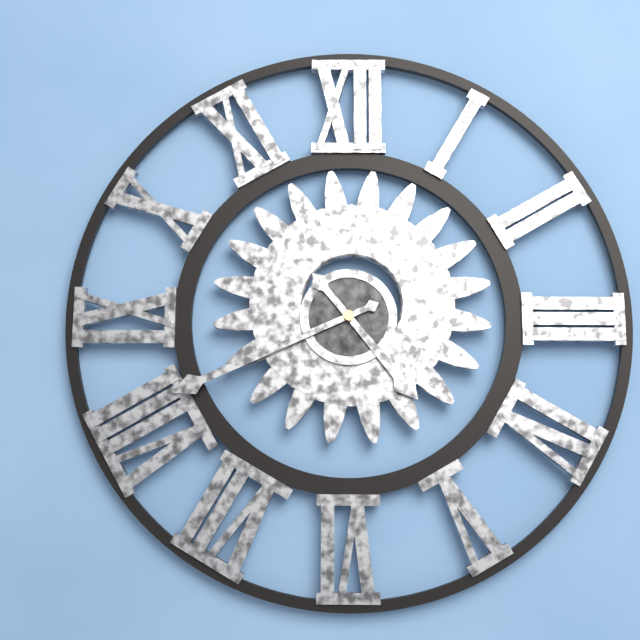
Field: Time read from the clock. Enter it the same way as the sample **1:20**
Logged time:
**4:41**
